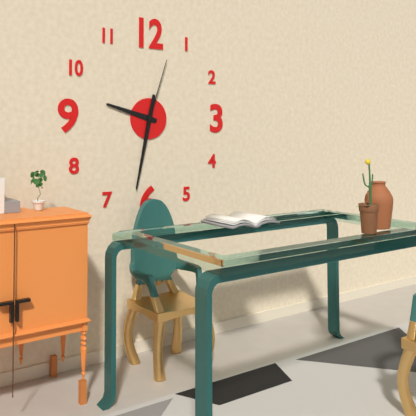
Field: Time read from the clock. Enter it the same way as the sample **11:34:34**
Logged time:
**9:32:03**
